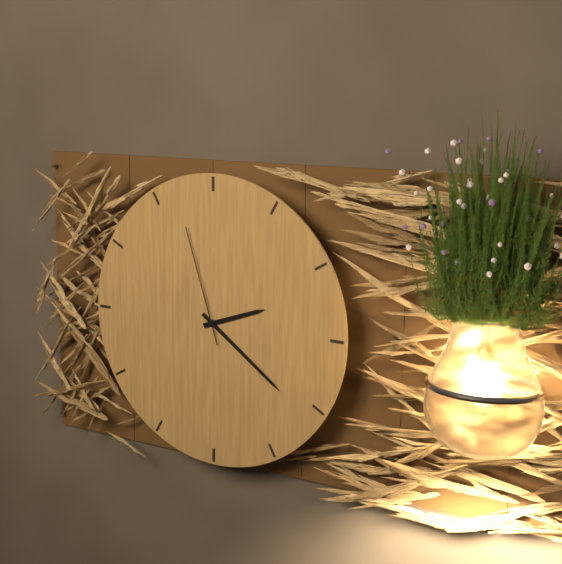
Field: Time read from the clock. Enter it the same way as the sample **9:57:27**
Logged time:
**2:21:57**
